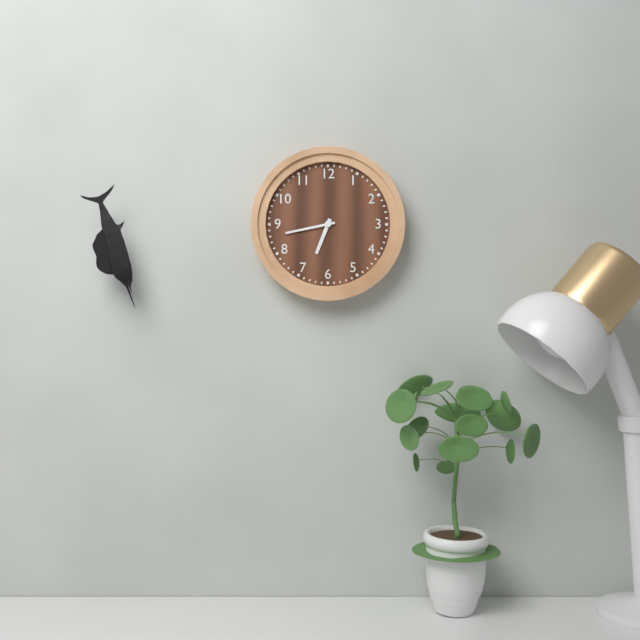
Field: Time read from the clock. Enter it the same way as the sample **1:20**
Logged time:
**6:43**
